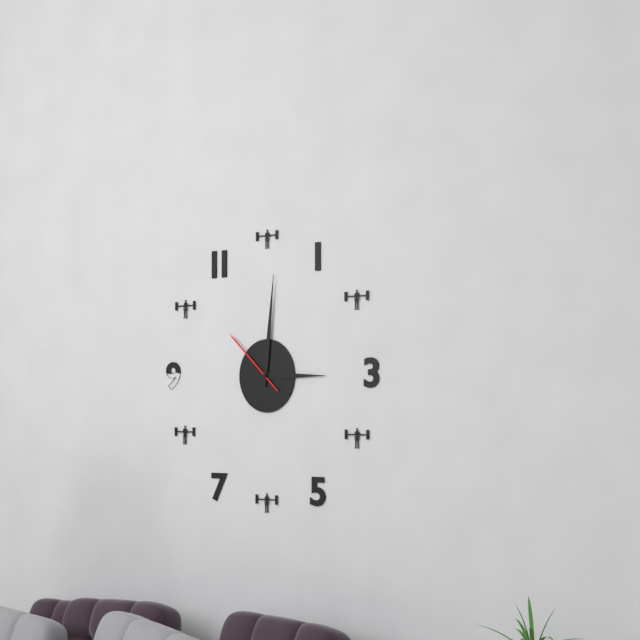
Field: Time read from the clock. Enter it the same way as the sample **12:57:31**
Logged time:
**3:01:52**
